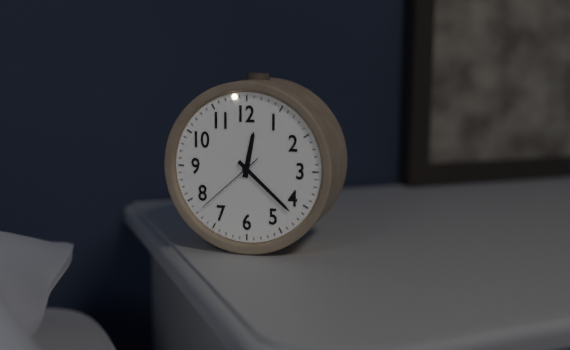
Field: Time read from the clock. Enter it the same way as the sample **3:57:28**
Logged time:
**12:22:38**
